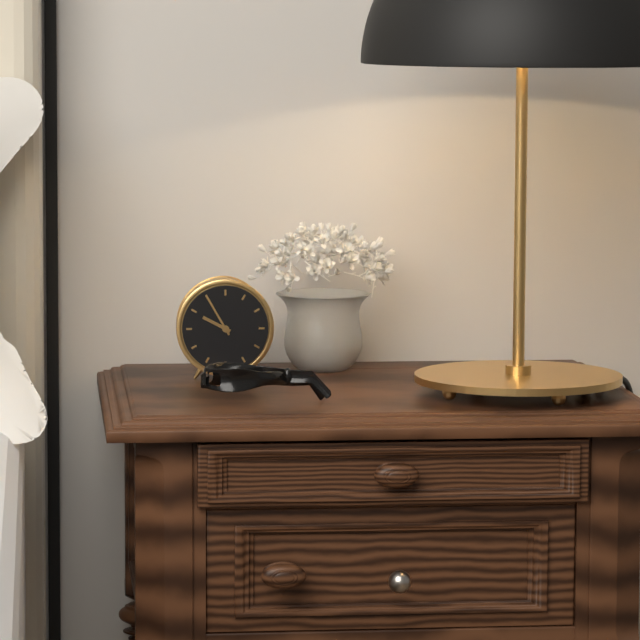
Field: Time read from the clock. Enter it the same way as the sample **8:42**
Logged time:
**9:55**
